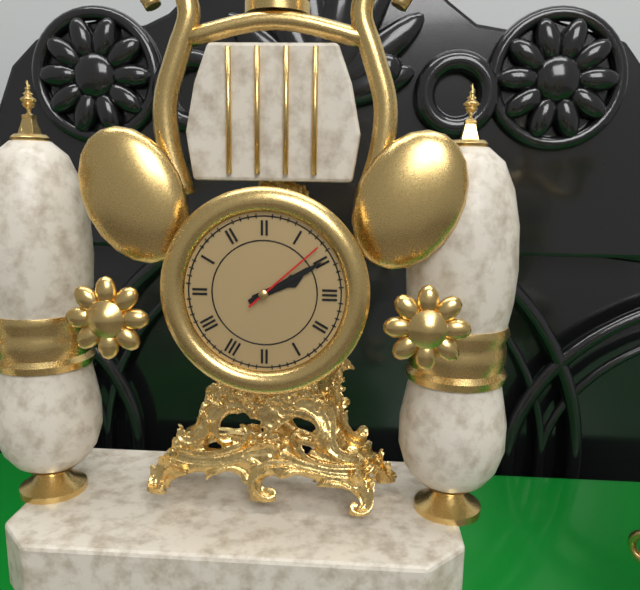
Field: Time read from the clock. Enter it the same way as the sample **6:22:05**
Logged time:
**2:10:08**
